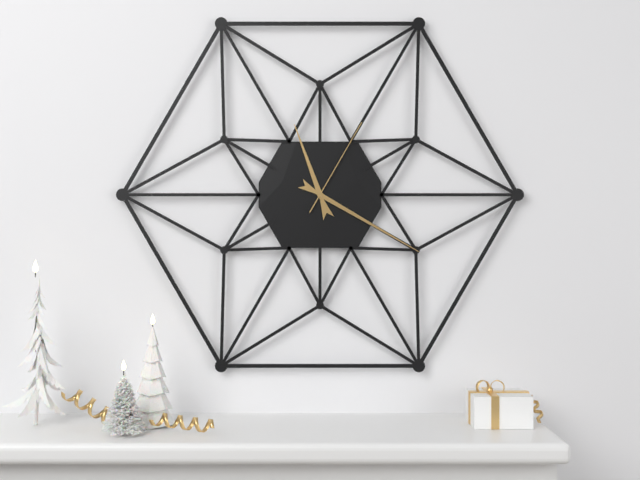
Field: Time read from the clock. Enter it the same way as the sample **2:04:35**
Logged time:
**11:20:05**
